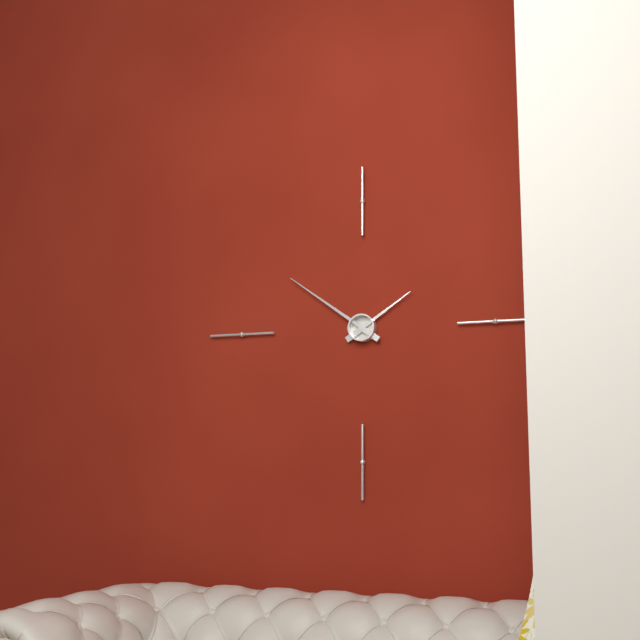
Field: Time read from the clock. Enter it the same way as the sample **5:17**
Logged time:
**1:51**
